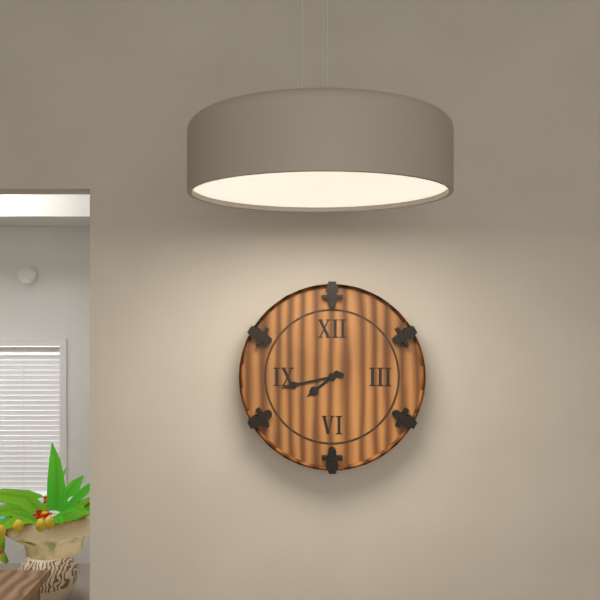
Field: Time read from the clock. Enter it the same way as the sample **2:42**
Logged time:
**7:43**
